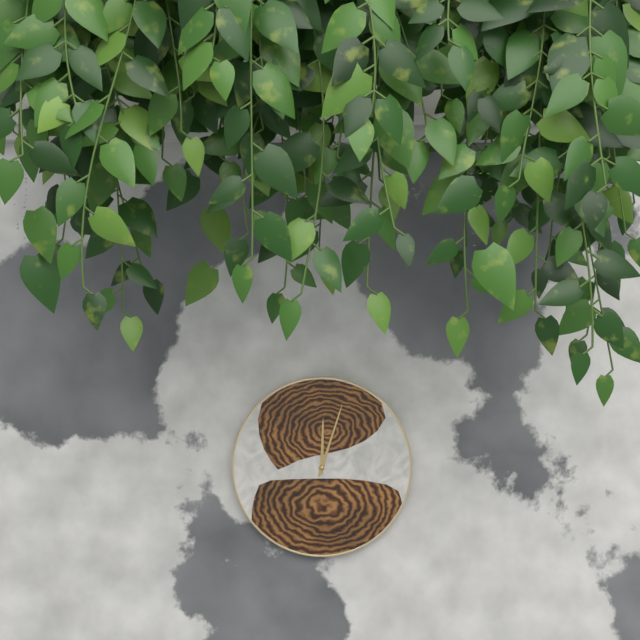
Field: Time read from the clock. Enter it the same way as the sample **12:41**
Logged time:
**12:03**
